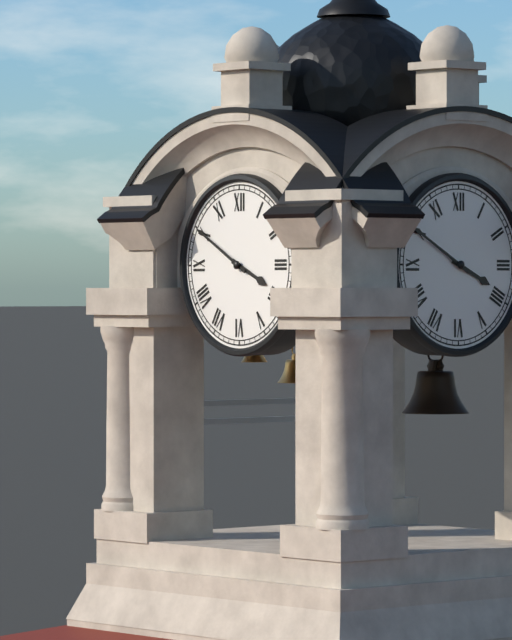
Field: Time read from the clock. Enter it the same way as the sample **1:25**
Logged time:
**3:50**
